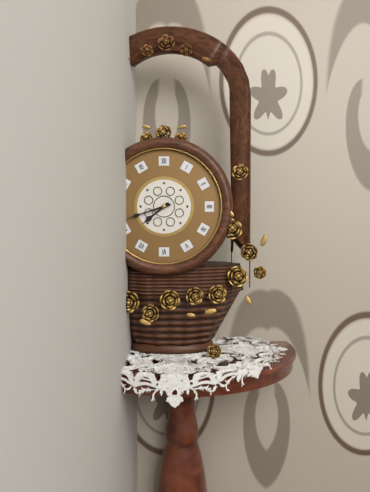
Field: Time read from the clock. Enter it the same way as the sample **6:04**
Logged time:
**7:42**
